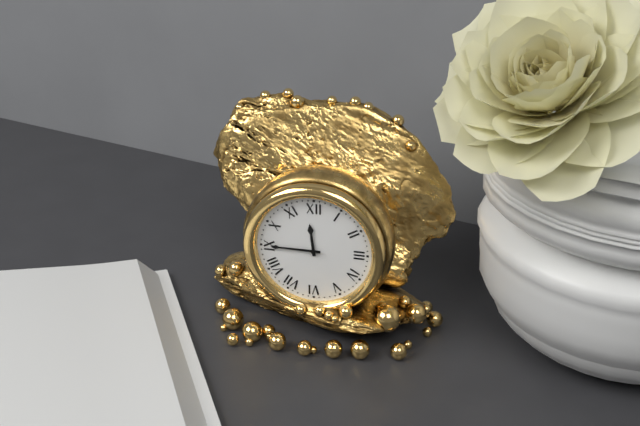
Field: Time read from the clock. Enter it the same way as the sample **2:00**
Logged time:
**11:45**
